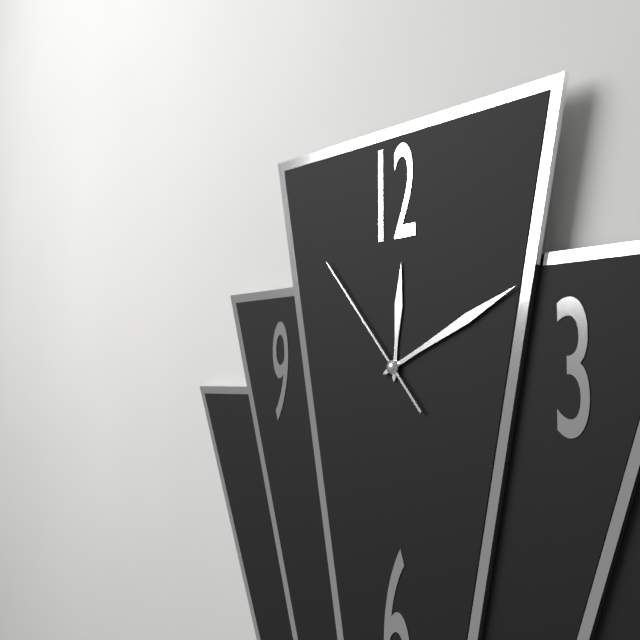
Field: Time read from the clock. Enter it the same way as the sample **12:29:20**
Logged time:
**12:11:53**
